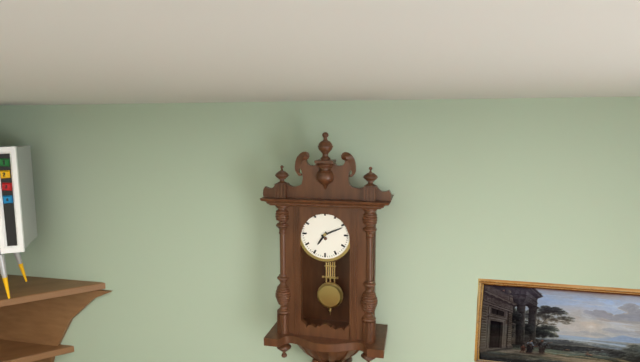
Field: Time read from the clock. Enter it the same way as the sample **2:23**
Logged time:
**7:11**
